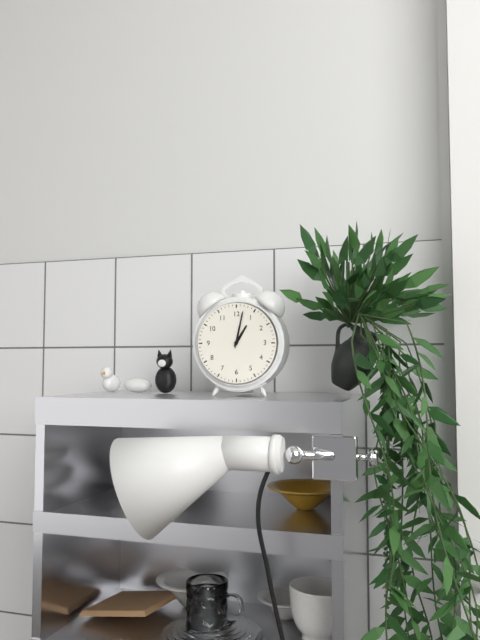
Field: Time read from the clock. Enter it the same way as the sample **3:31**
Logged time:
**1:02**
